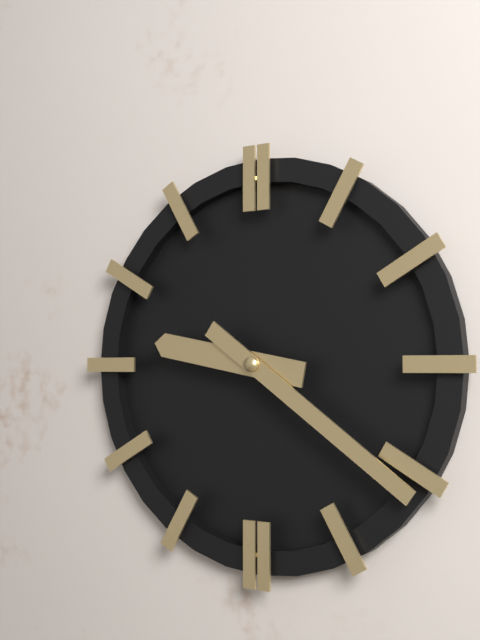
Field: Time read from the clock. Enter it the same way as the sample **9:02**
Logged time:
**9:21**
